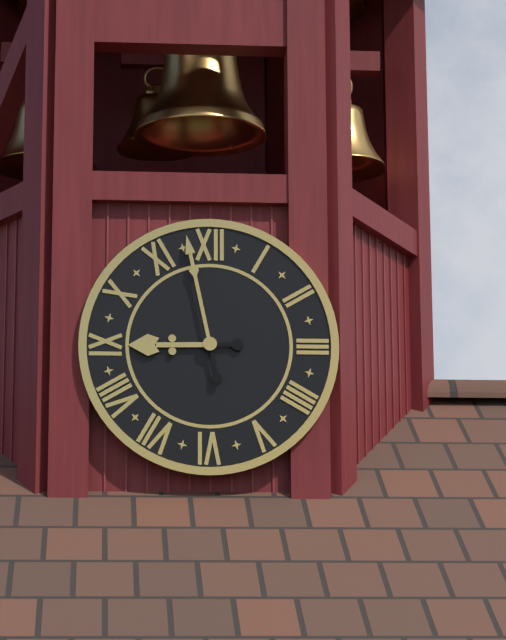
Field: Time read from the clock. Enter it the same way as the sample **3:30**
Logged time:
**8:58**
